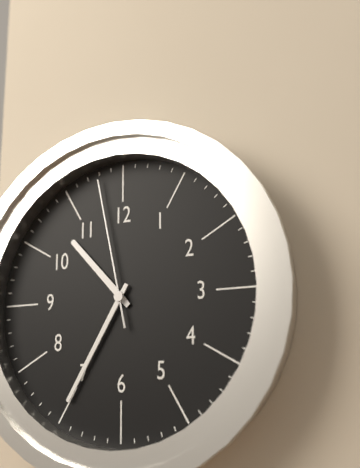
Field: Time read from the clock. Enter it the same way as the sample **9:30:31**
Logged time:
**10:35:58**
